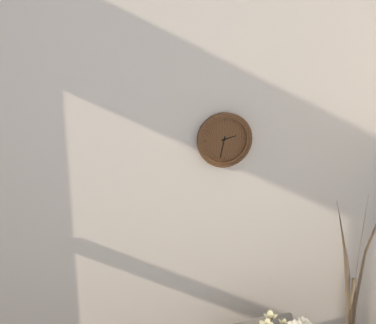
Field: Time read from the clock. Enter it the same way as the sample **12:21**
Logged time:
**2:32**
